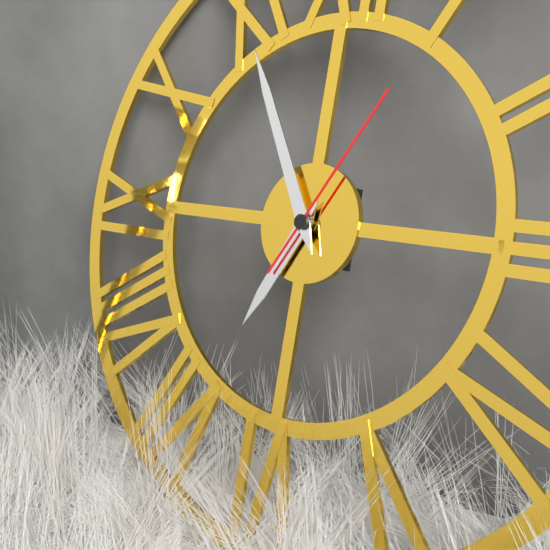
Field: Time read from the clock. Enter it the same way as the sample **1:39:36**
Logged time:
**6:55:05**
